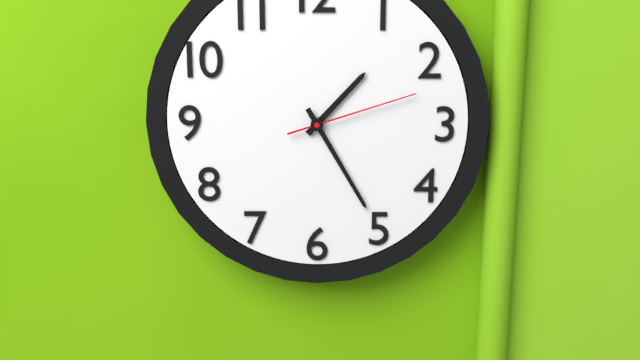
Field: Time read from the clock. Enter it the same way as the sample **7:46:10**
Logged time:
**1:25:12**
